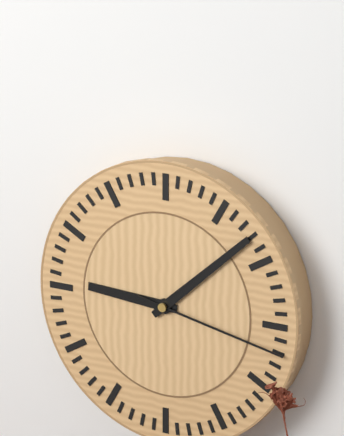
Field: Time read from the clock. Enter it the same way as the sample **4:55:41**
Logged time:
**9:08:17**
